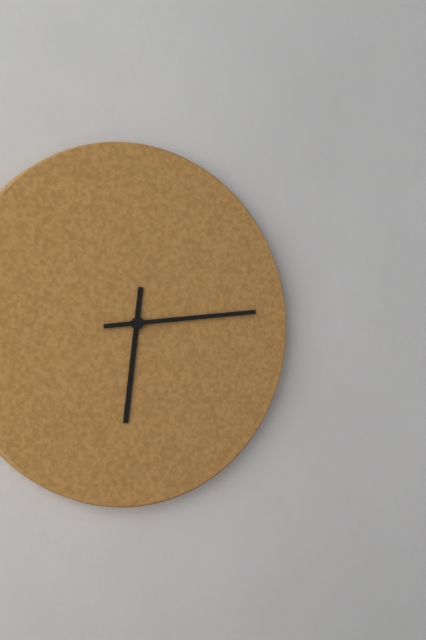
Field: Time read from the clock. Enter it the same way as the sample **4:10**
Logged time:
**6:14**
